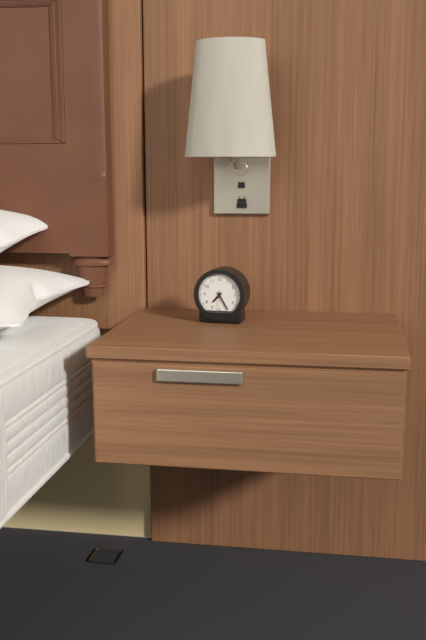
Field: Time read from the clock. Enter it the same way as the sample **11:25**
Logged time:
**7:25**
